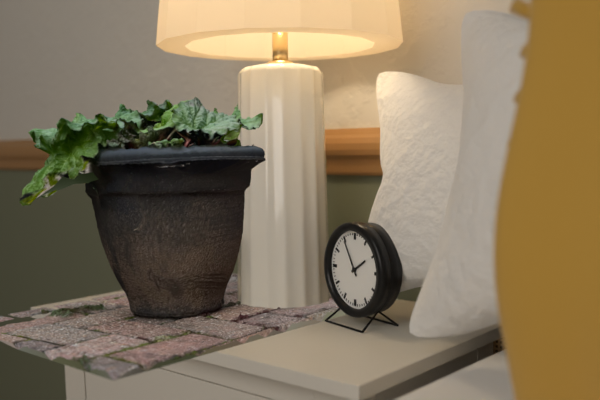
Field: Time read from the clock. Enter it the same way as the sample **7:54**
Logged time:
**1:55**
